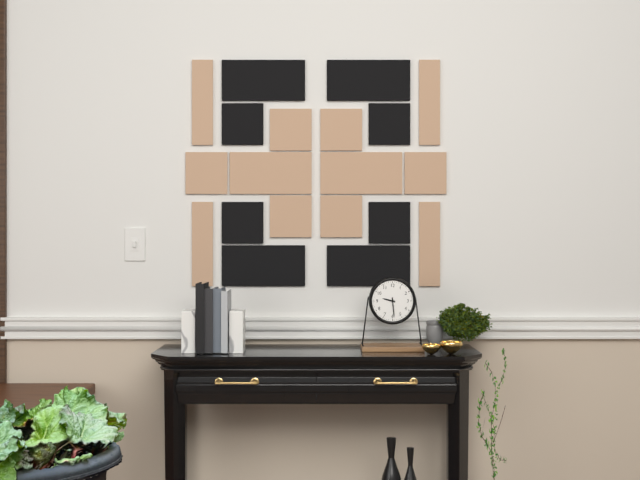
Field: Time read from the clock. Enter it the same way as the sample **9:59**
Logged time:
**9:29**
